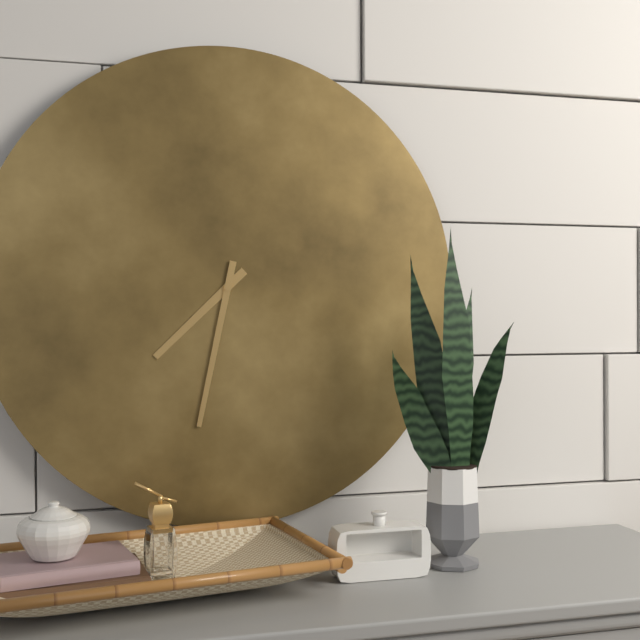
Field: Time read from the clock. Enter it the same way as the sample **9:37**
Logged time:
**7:32**
